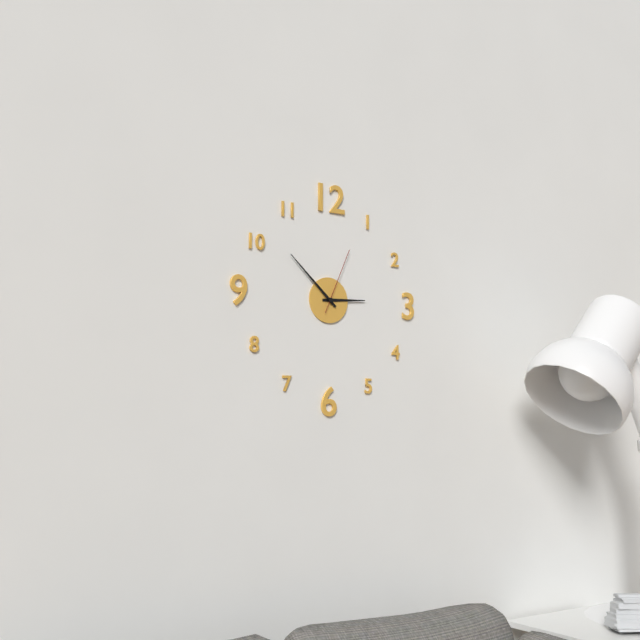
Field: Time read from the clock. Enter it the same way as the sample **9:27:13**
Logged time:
**2:52:04**
